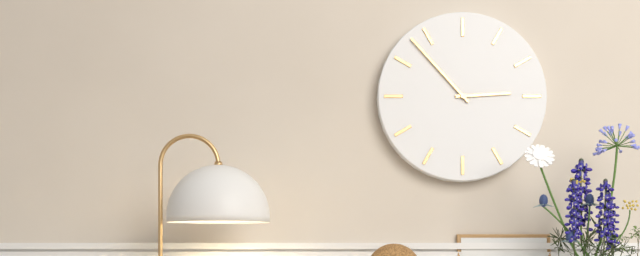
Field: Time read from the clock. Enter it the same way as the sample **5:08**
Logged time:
**2:53**
